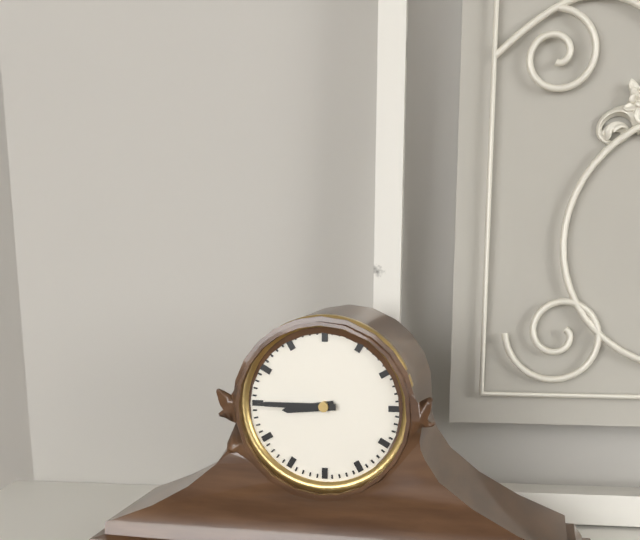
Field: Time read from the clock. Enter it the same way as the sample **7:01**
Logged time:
**8:45**
